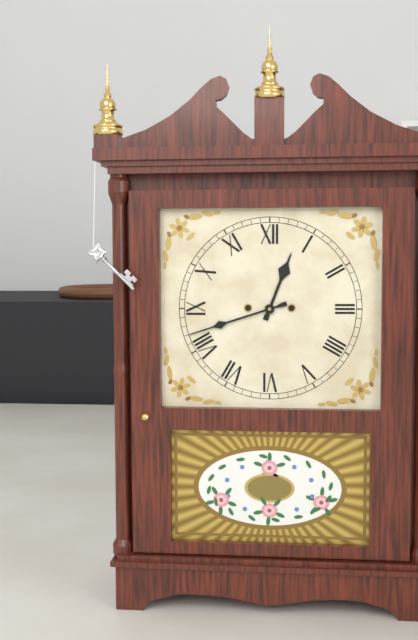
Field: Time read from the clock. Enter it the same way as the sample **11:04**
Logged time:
**12:42**
